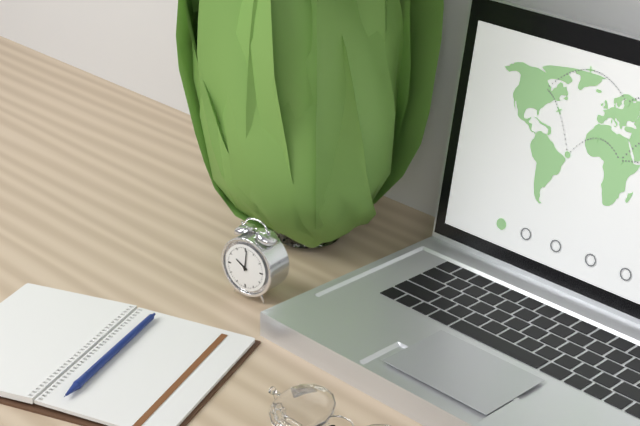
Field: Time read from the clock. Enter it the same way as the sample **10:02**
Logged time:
**10:01**
